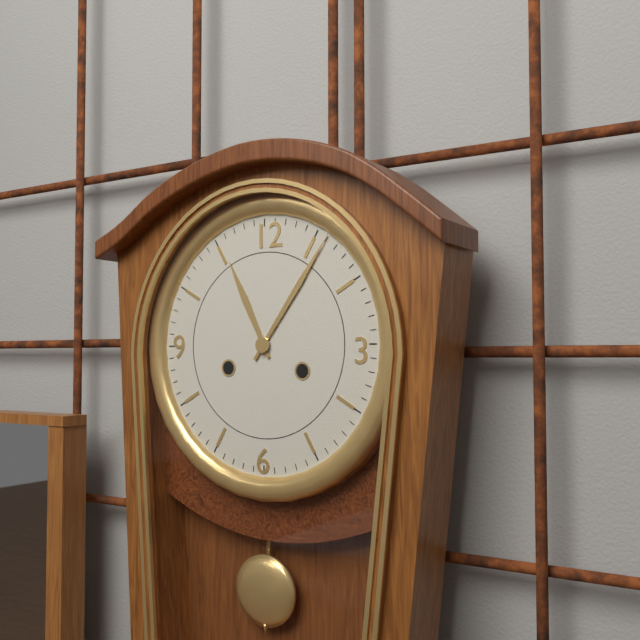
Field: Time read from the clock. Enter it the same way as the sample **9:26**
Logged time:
**11:06**
